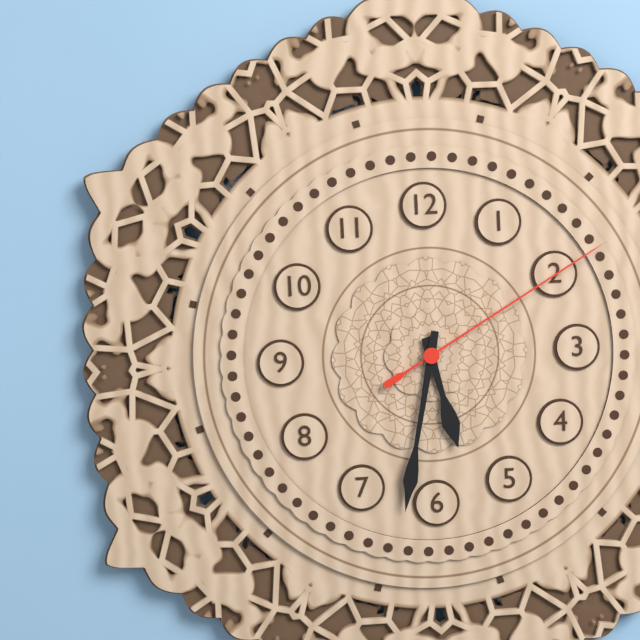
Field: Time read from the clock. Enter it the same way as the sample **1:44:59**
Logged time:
**5:32:10**
